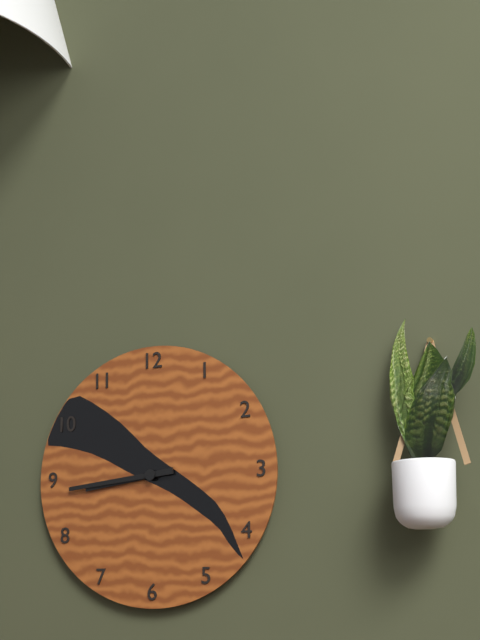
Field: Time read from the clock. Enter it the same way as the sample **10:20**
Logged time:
**8:44**
